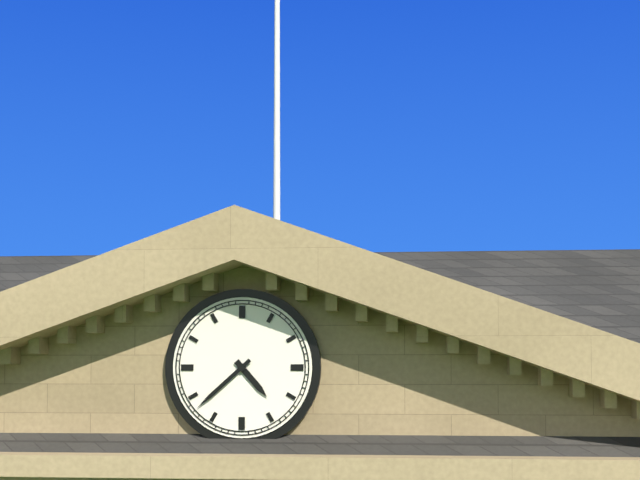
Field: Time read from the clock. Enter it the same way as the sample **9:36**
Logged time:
**4:38**
